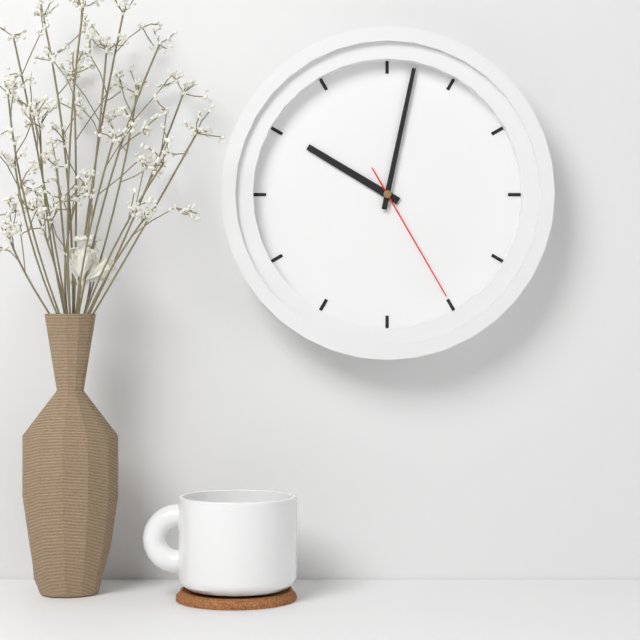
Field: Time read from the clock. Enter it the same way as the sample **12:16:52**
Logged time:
**10:02:25**
